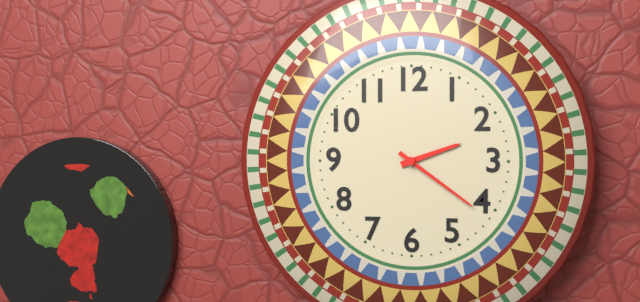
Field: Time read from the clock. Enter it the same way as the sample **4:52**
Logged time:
**2:21**
